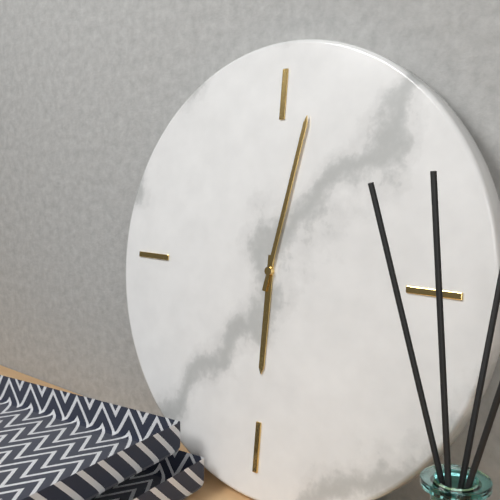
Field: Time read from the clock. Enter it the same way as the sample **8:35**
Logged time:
**6:02**
